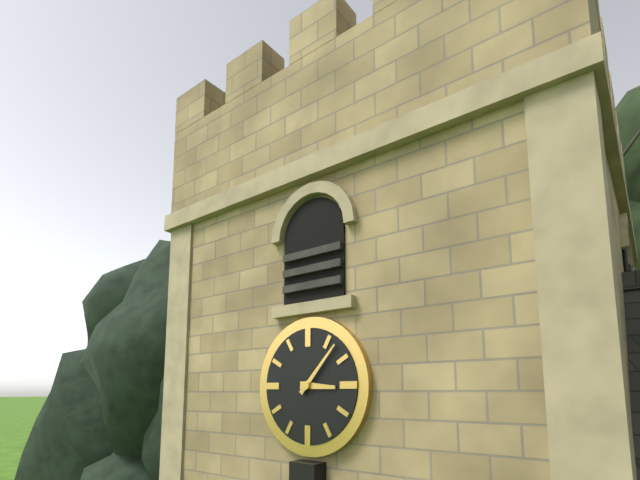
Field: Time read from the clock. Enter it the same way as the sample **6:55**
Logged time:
**3:07**
